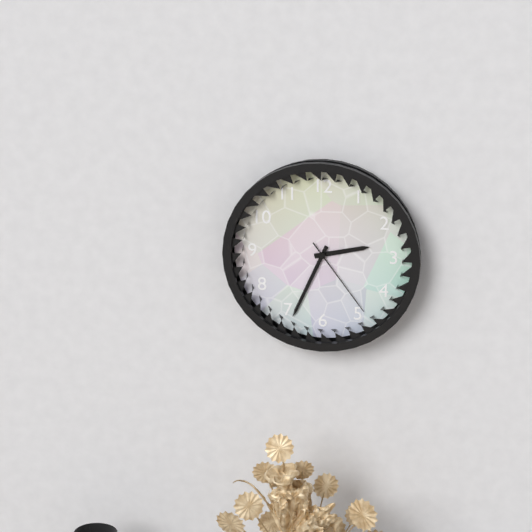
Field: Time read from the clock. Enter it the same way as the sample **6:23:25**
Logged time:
**2:34:24**
